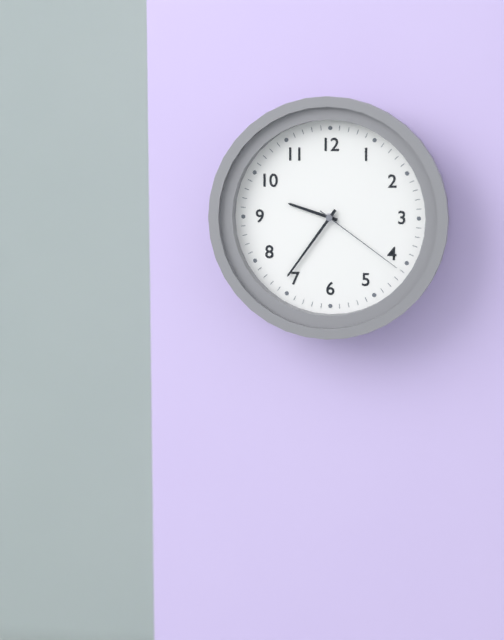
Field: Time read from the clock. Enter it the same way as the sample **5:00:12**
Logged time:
**9:36:21**
